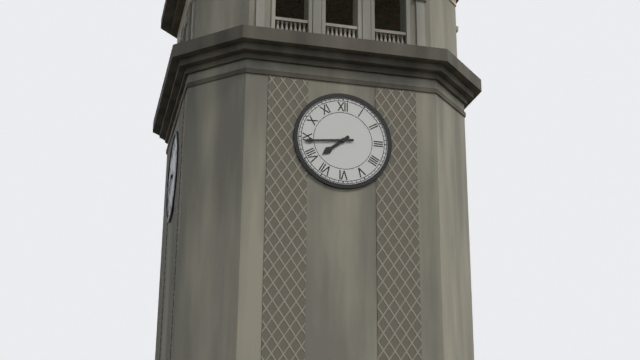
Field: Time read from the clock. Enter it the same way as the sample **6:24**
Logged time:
**7:44**
